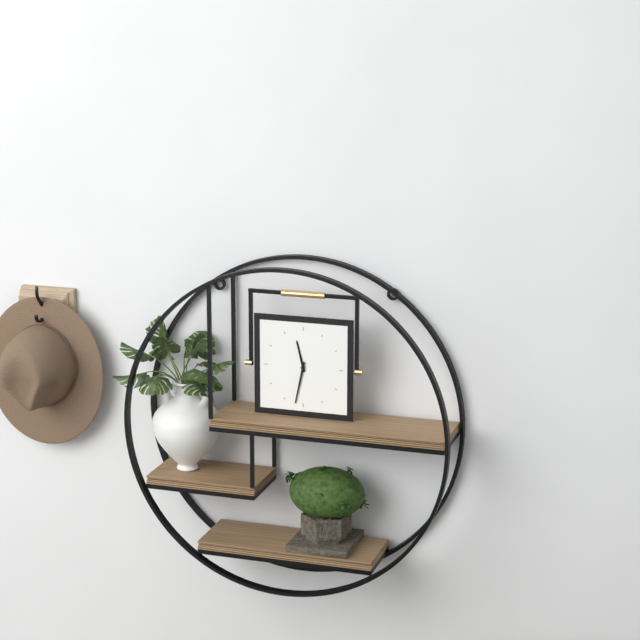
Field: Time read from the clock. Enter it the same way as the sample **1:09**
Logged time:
**11:32**
